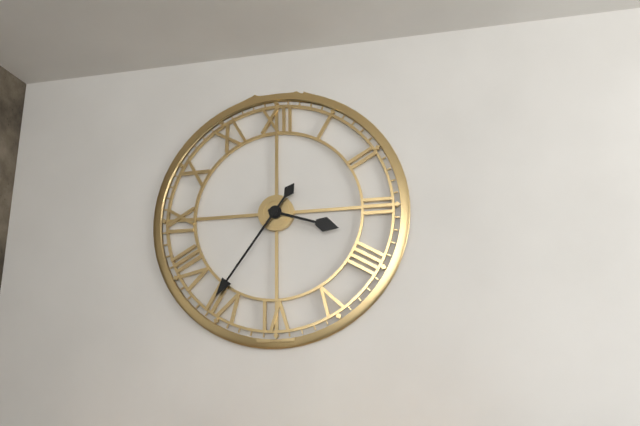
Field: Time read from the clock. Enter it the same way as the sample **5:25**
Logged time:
**3:36**
